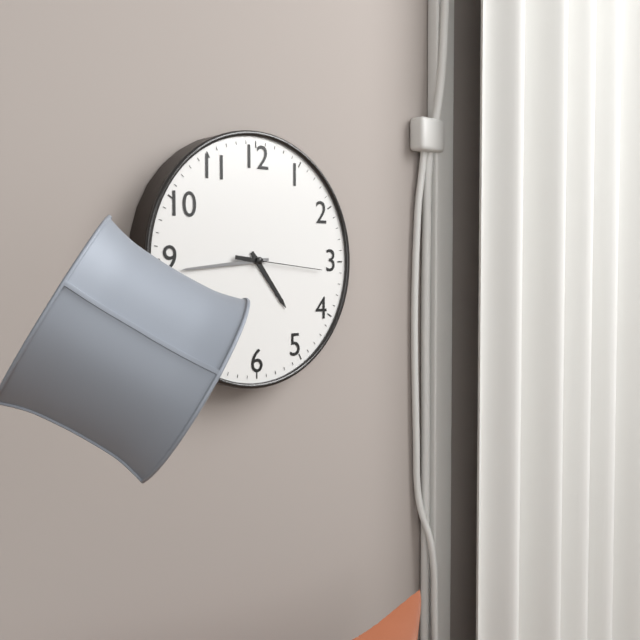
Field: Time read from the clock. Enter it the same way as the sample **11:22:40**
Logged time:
**4:44:16**
